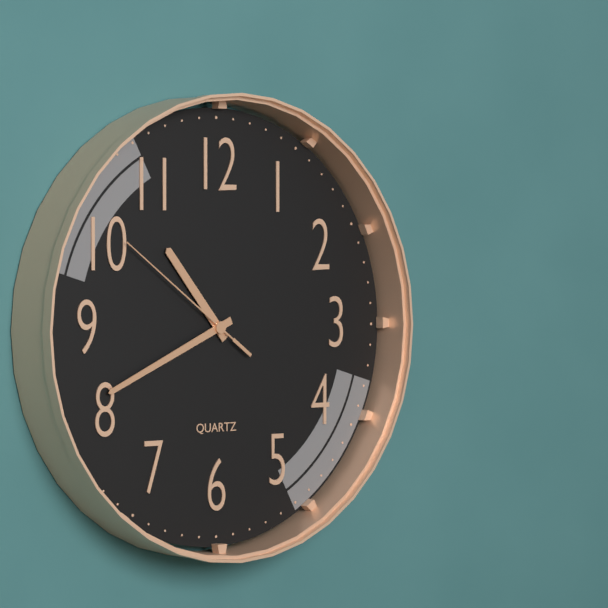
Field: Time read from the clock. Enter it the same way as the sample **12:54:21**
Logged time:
**10:41:51**
